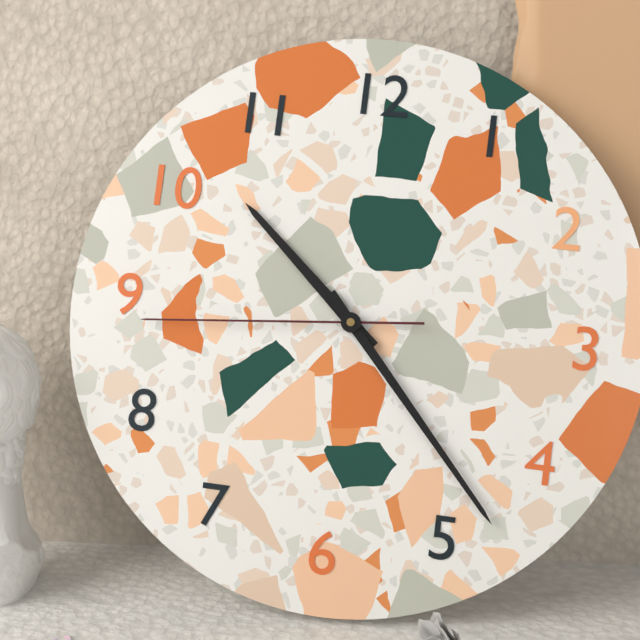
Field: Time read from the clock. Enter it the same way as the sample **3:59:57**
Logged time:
**10:23:44**
